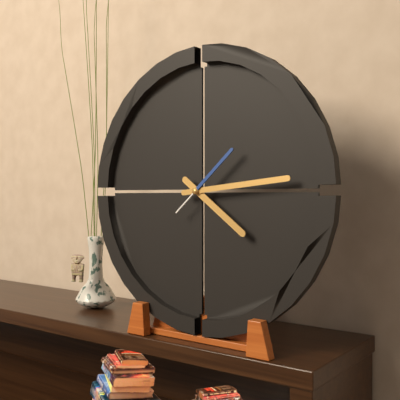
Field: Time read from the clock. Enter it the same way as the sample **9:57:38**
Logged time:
**4:14:08**
